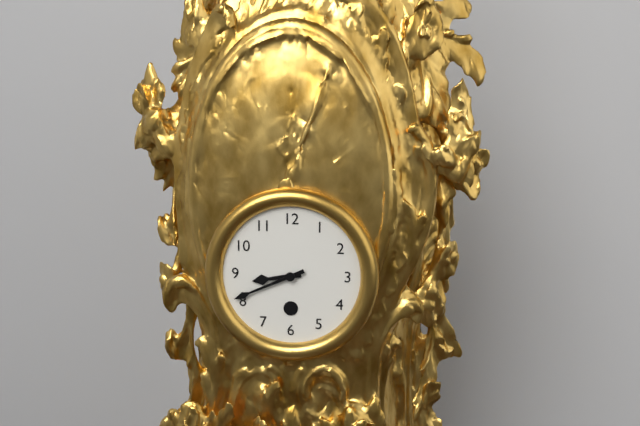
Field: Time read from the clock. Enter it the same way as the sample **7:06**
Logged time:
**8:41**
